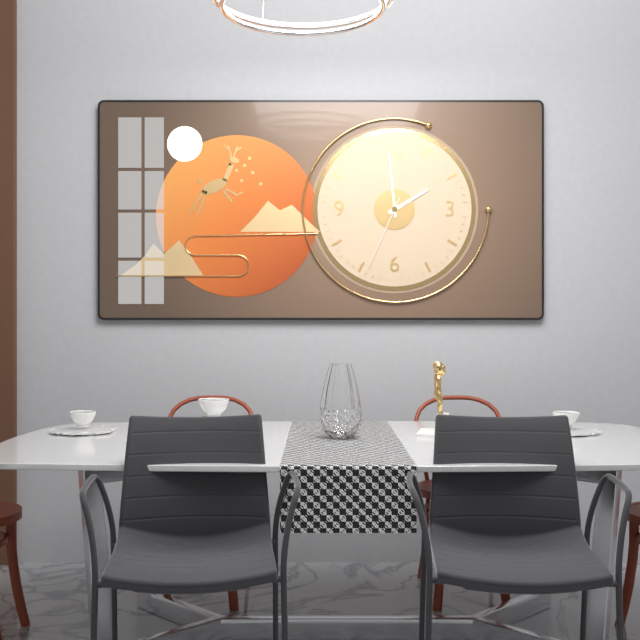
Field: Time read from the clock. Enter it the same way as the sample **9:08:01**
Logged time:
**1:59:34**
